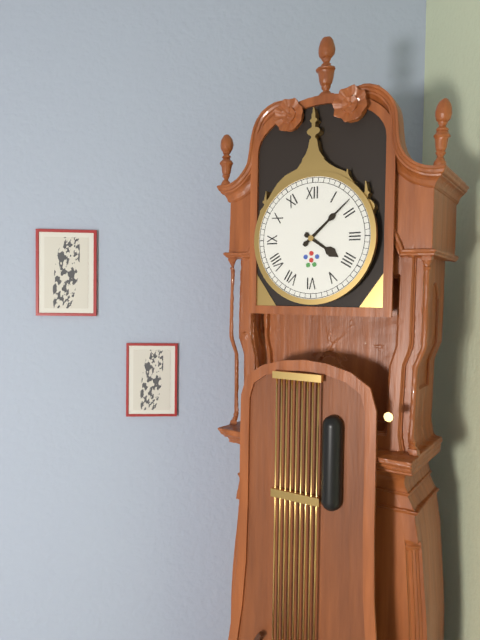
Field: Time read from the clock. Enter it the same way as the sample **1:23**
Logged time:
**4:08**
